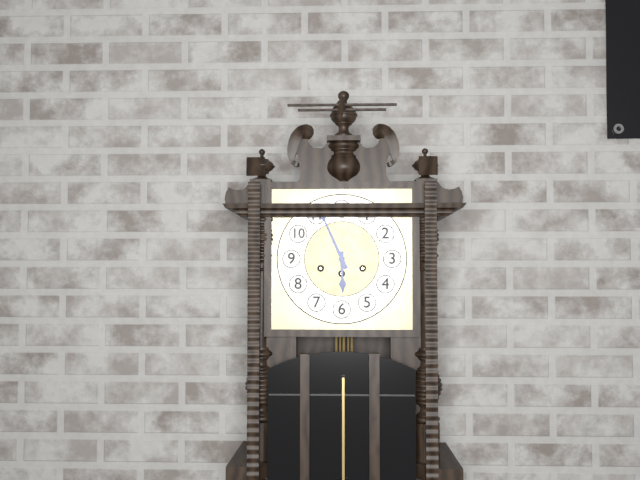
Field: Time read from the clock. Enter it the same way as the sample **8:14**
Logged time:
**5:56**
